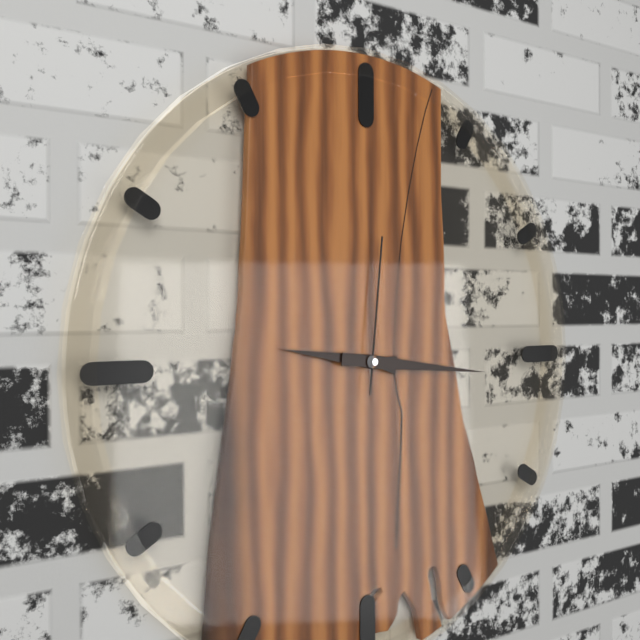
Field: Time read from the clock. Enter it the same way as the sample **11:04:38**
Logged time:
**9:16:01**
